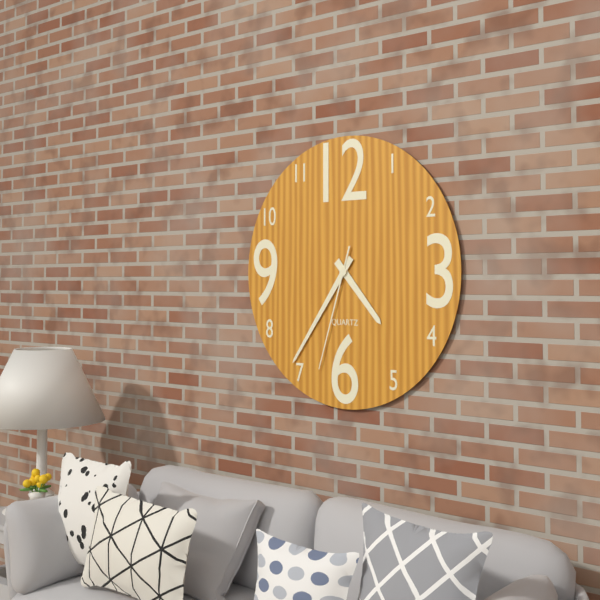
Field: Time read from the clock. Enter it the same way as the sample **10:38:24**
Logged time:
**4:36:33**
